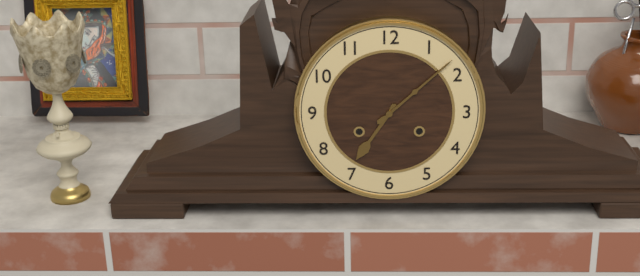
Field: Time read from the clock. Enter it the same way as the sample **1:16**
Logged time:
**7:08**
